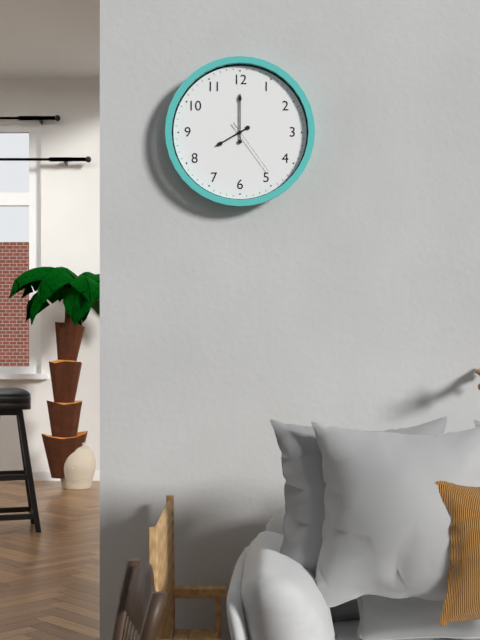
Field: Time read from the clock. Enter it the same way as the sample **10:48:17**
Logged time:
**8:00:24**
